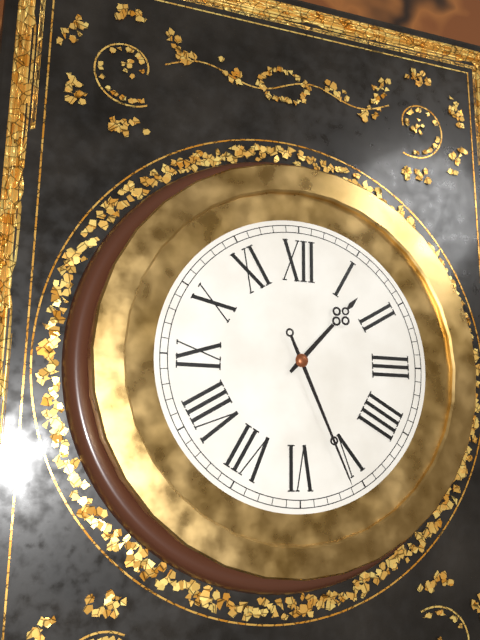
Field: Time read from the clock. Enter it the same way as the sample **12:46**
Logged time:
**1:26**
